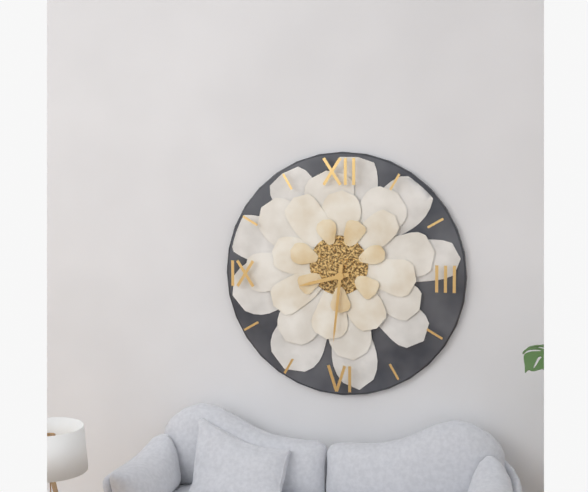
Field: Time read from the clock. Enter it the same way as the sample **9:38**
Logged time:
**8:31**
